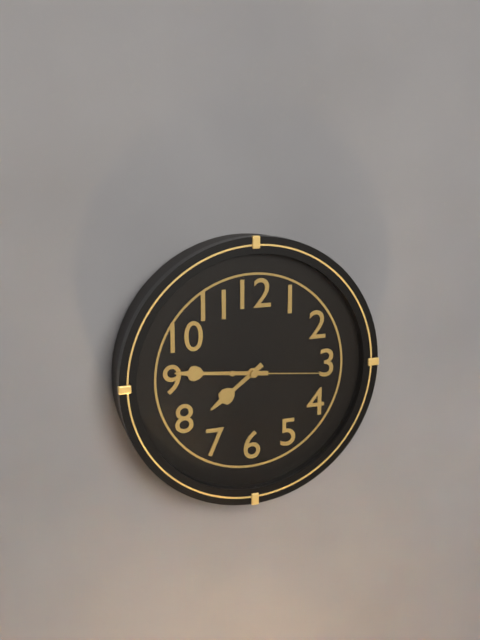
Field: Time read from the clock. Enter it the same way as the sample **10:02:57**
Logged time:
**7:46:16**
